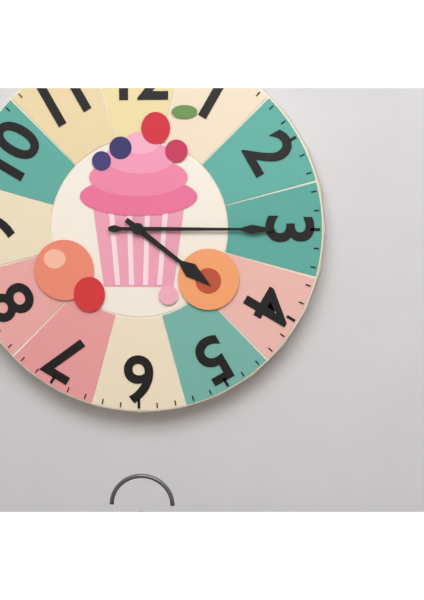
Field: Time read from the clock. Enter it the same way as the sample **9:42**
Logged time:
**4:15**
